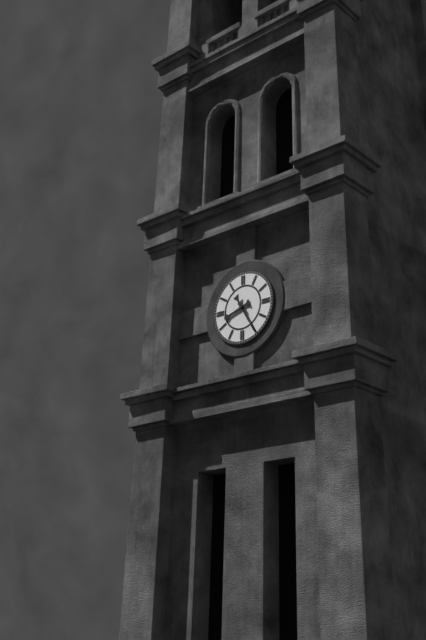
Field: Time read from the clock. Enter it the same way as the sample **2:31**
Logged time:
**8:25**
